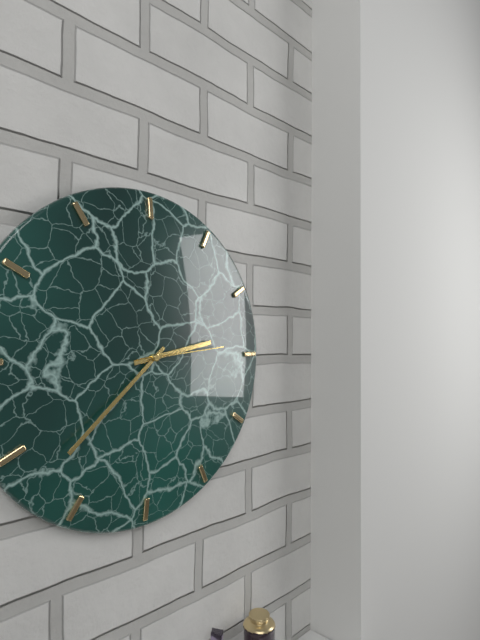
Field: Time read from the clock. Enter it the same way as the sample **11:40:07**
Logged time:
**2:38:14**
